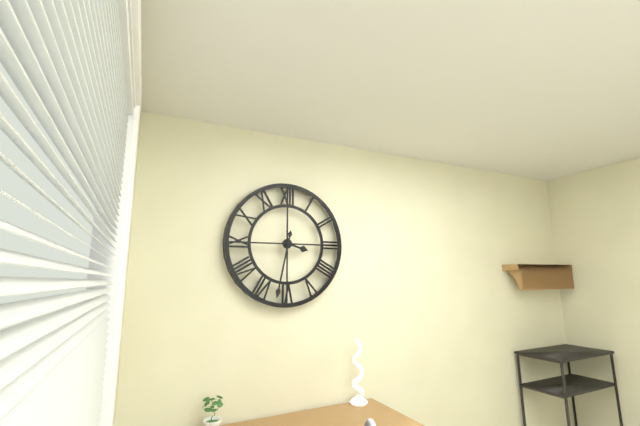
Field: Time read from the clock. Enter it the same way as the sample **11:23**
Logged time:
**3:32**
